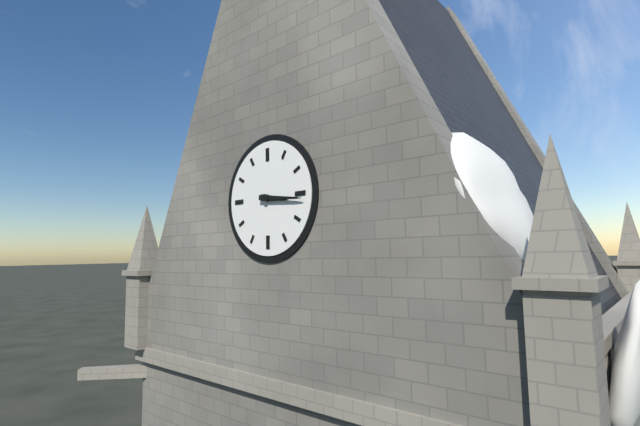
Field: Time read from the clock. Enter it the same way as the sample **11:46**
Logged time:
**3:16**
